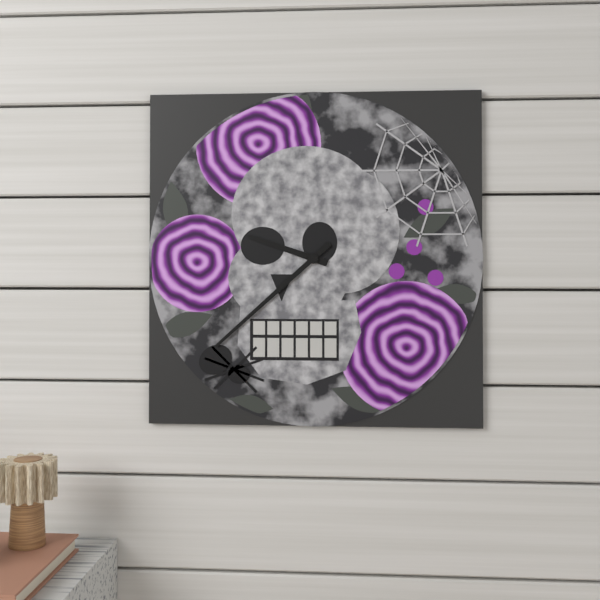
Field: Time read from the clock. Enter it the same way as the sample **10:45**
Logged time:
**9:38**
